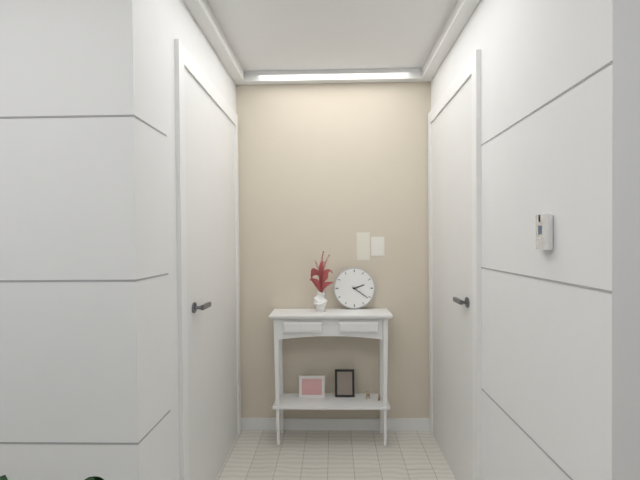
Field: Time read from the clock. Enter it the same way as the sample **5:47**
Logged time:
**2:21**
